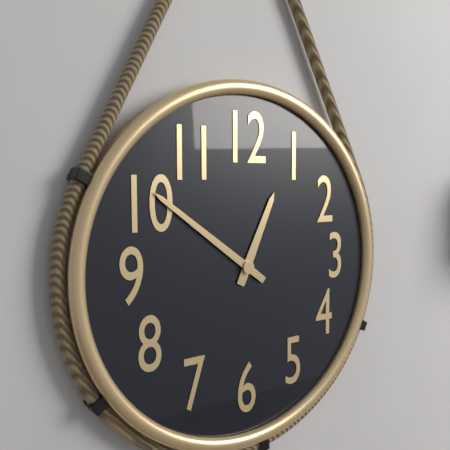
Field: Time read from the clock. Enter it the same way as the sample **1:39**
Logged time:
**12:51**
